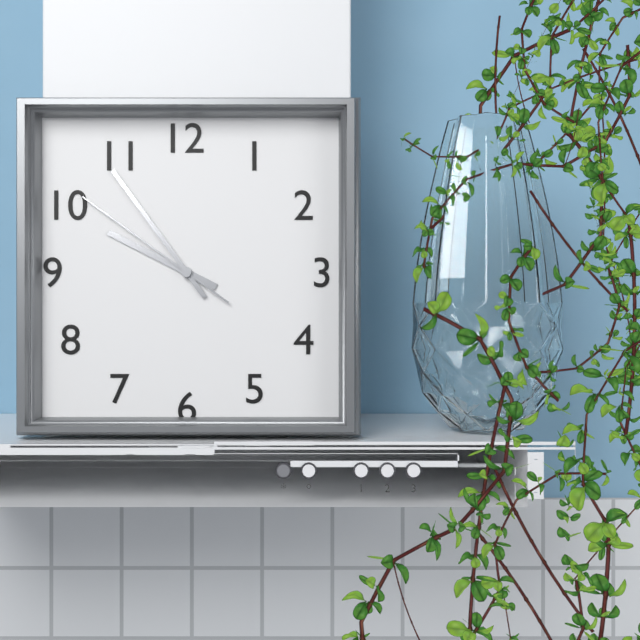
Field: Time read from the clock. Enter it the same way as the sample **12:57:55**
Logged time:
**9:54:51**
